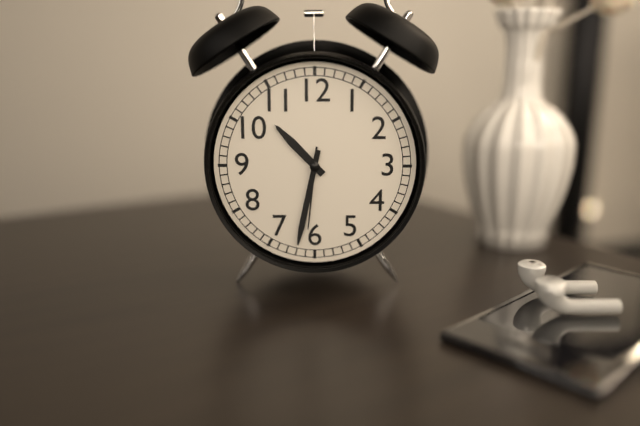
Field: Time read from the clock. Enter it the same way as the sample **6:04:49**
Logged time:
**10:32:31**
